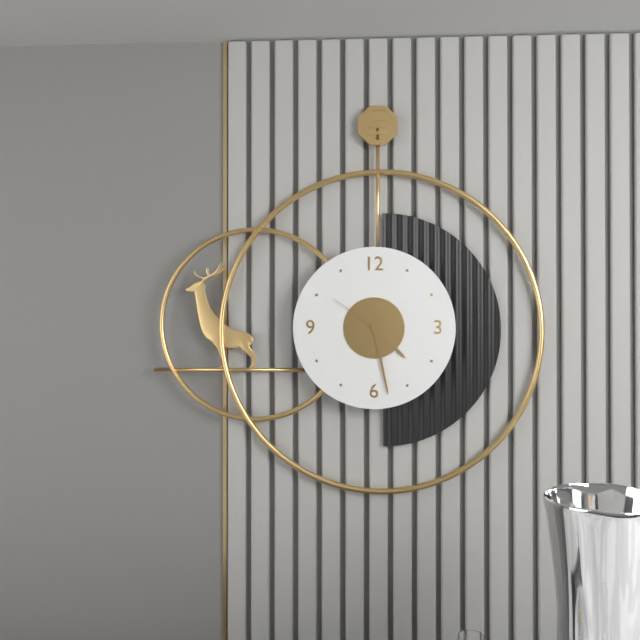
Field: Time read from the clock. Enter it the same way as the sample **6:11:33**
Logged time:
**4:28:51**
